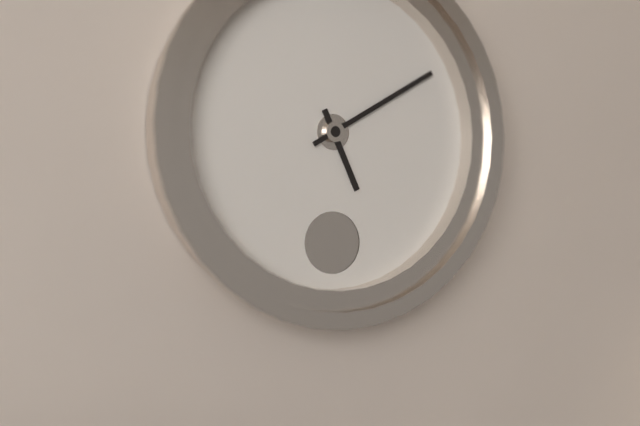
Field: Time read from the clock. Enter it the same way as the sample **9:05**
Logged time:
**5:10**
